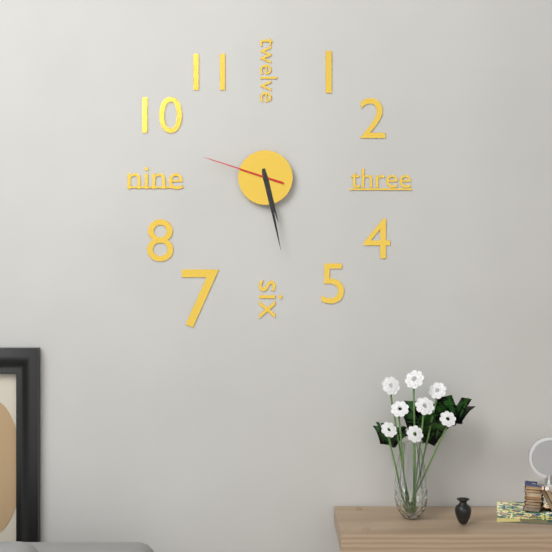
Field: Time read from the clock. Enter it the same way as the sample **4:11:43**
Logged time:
**5:28:48**
